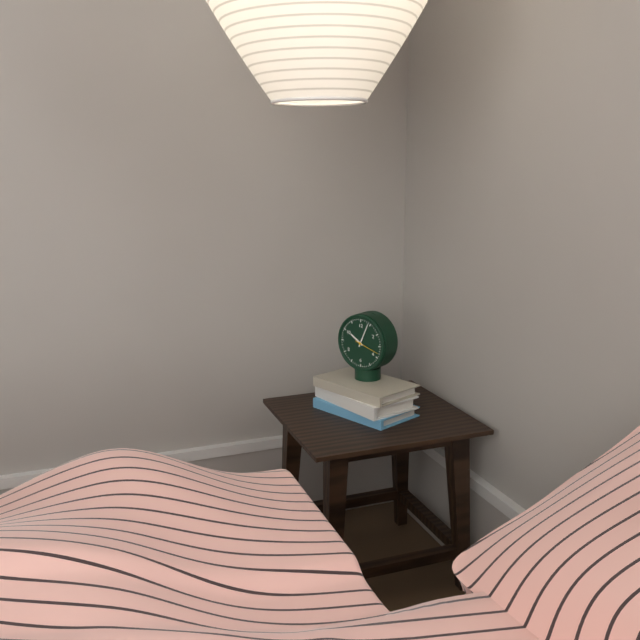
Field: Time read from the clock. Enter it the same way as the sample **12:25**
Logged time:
**10:04**
